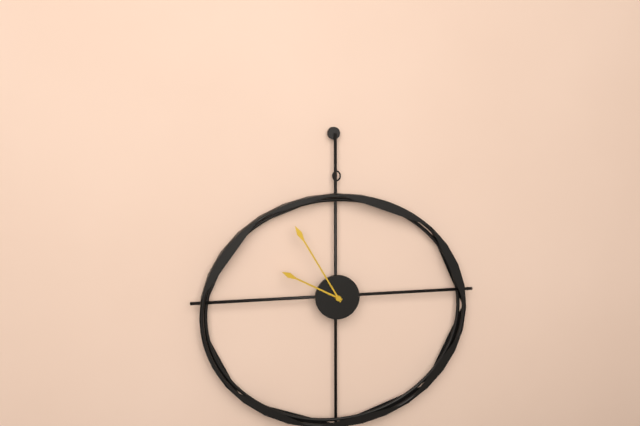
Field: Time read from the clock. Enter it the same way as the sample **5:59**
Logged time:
**9:55**
